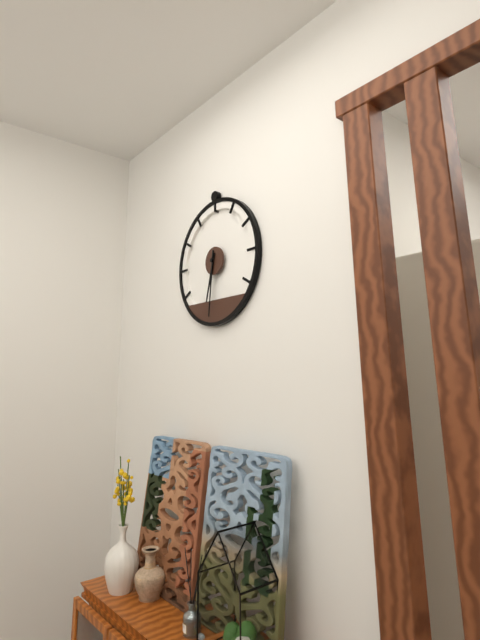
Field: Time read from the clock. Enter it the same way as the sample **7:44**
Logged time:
**6:31**
